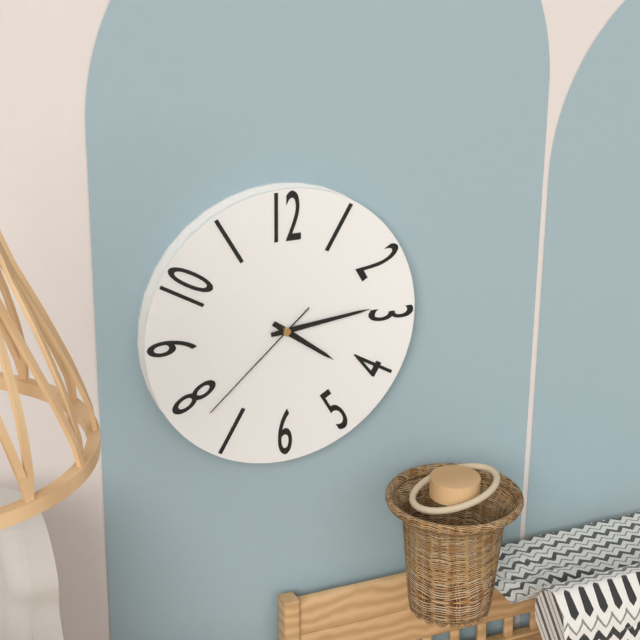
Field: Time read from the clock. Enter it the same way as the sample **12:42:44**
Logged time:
**4:14:38**
